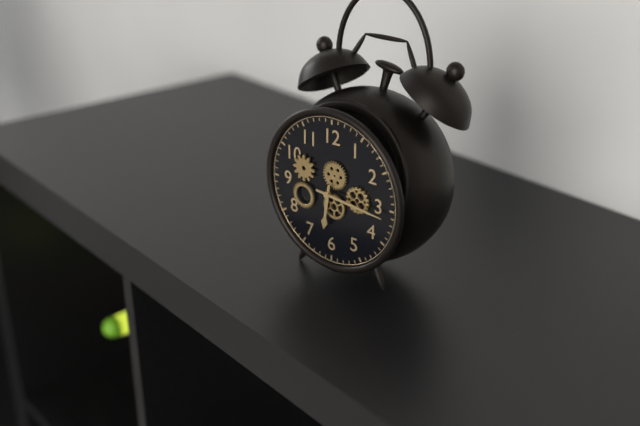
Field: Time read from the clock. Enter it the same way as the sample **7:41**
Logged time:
**6:16**
